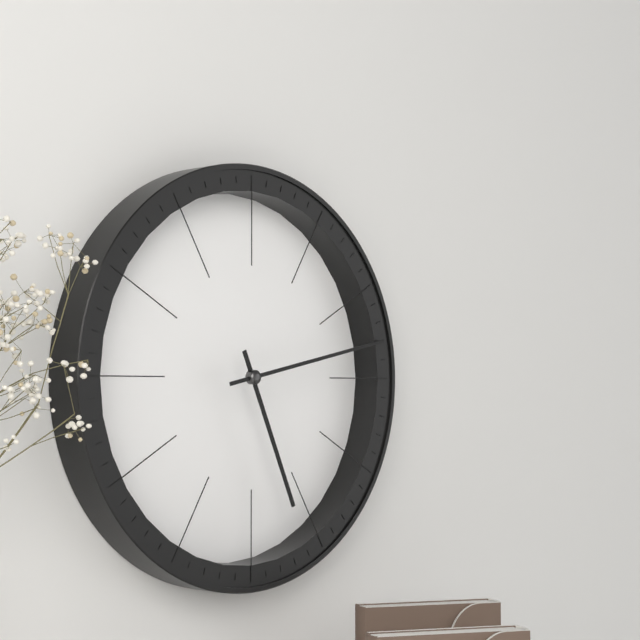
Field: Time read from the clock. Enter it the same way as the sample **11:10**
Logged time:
**5:13**
